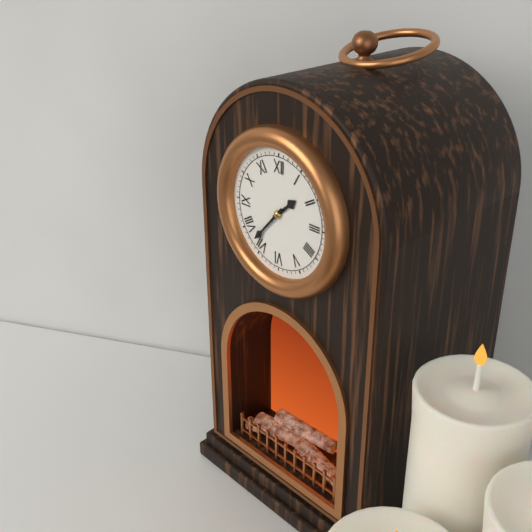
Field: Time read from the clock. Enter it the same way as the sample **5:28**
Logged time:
**1:37**
